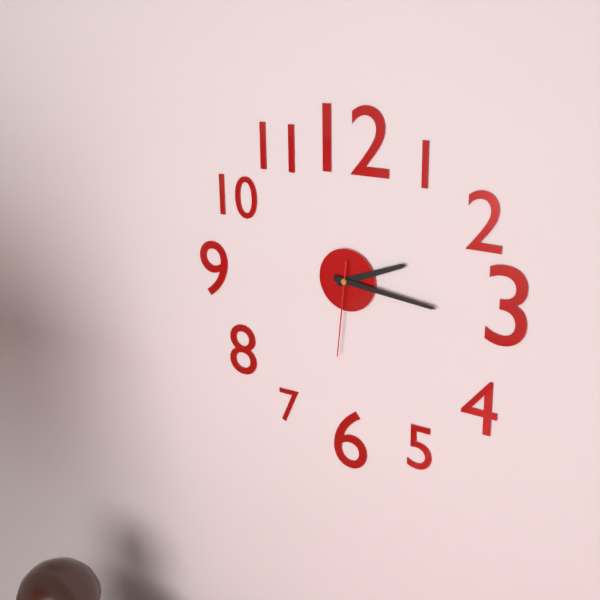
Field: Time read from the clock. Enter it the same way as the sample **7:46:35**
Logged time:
**2:16:31**
